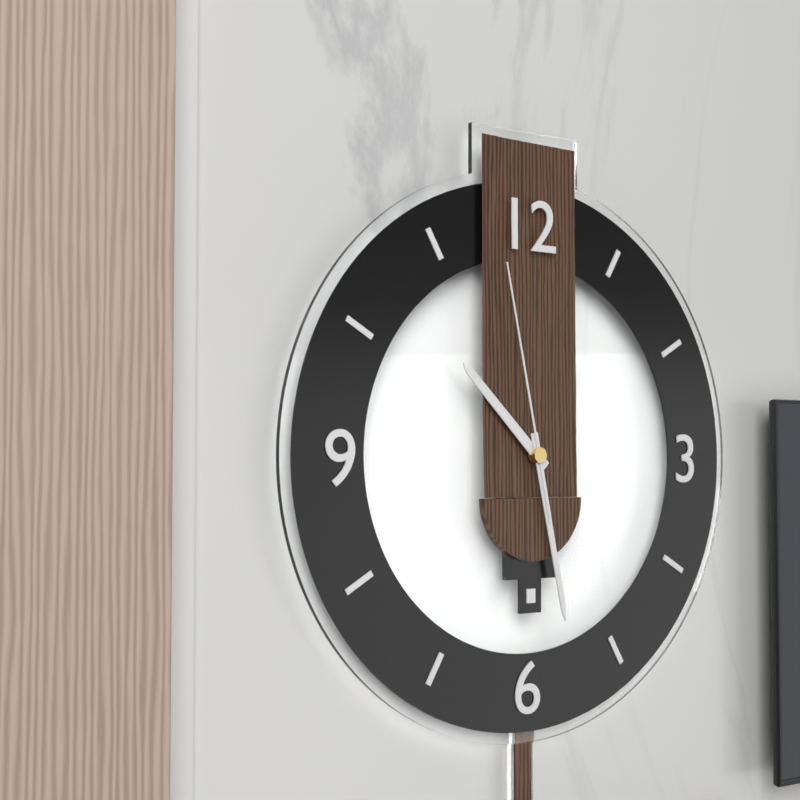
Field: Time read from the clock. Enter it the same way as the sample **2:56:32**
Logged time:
**10:28:58**
